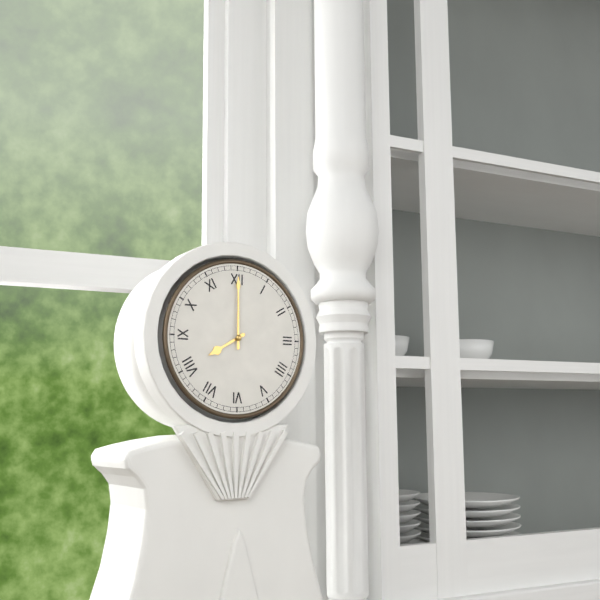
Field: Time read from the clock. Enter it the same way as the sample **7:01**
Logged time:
**8:00**
